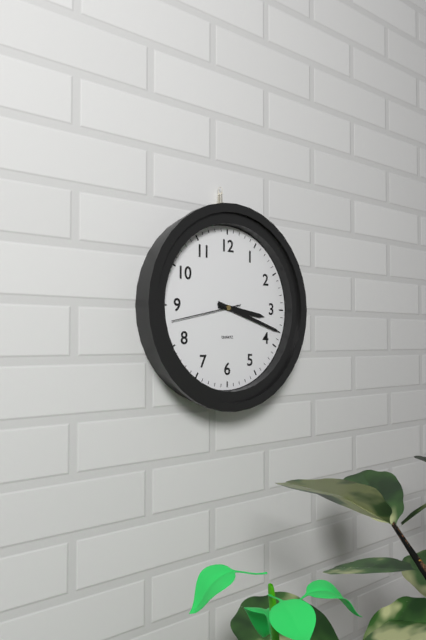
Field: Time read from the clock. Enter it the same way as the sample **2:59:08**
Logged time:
**3:18:43**
